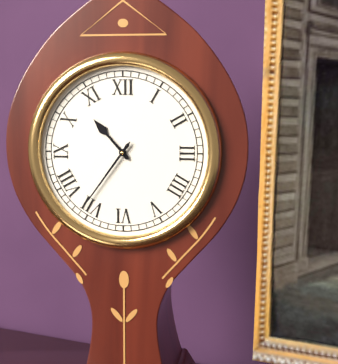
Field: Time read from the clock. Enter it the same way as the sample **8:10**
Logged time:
**10:36**
